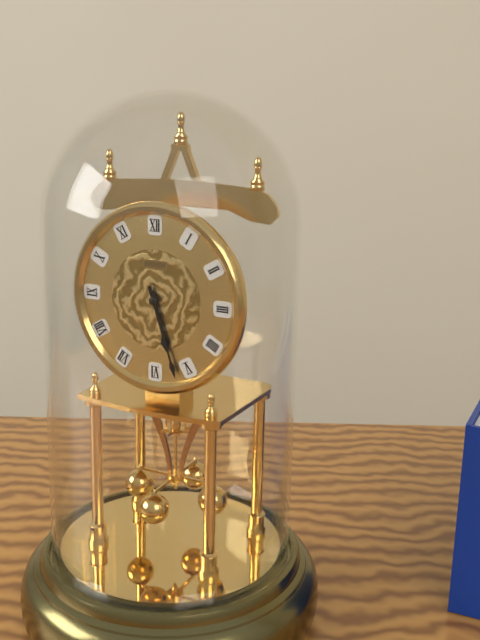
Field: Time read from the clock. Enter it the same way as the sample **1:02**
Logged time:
**5:27**
